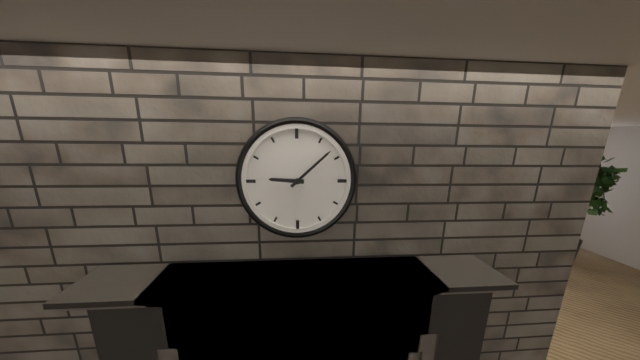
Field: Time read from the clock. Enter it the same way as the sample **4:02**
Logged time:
**9:08**
